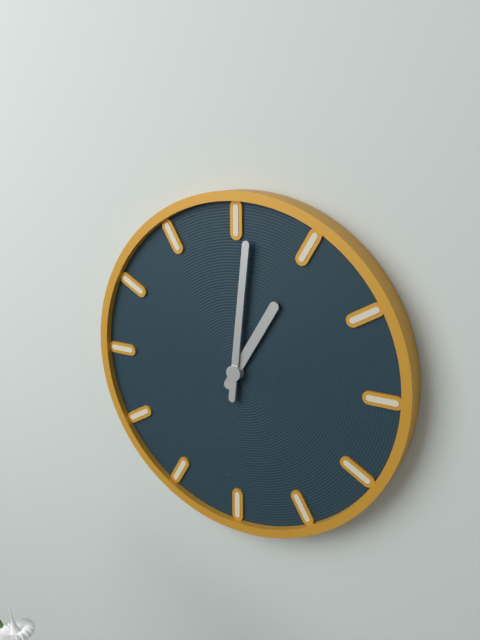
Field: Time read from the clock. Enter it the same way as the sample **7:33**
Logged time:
**1:01**
